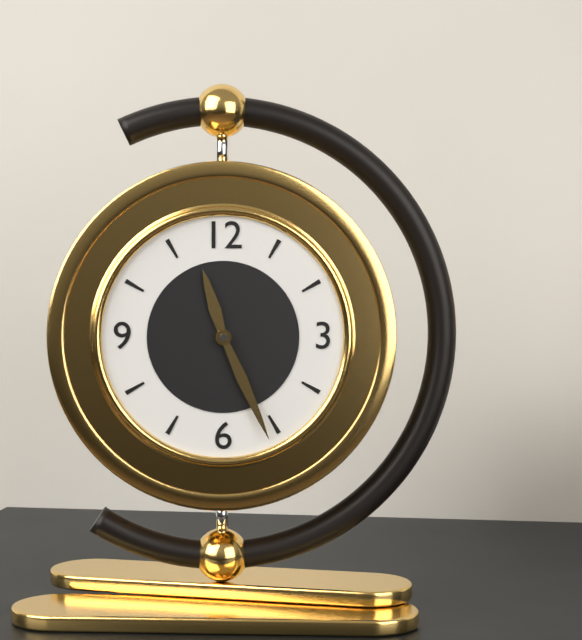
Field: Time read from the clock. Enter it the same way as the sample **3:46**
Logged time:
**11:26**
